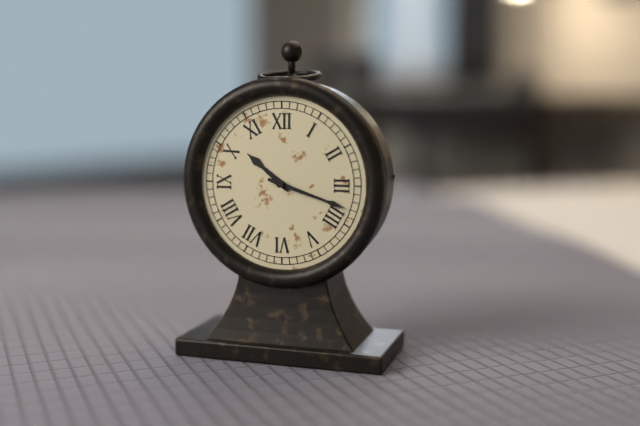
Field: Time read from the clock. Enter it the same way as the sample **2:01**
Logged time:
**10:18**
